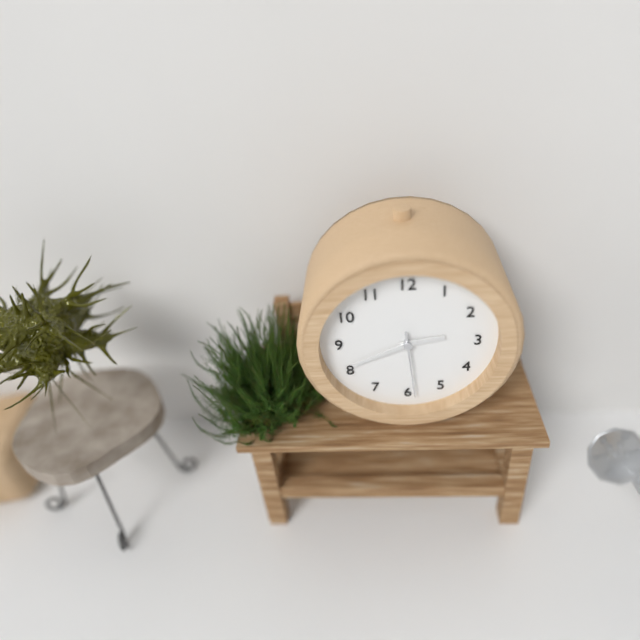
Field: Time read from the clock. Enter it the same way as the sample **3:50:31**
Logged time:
**2:41:29**
